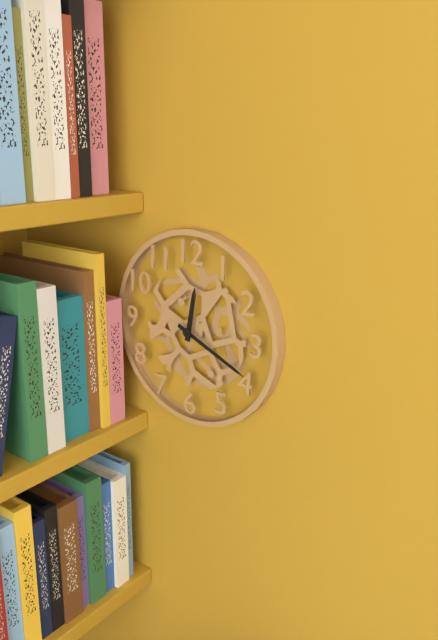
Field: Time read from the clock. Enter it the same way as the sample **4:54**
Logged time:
**12:19**
